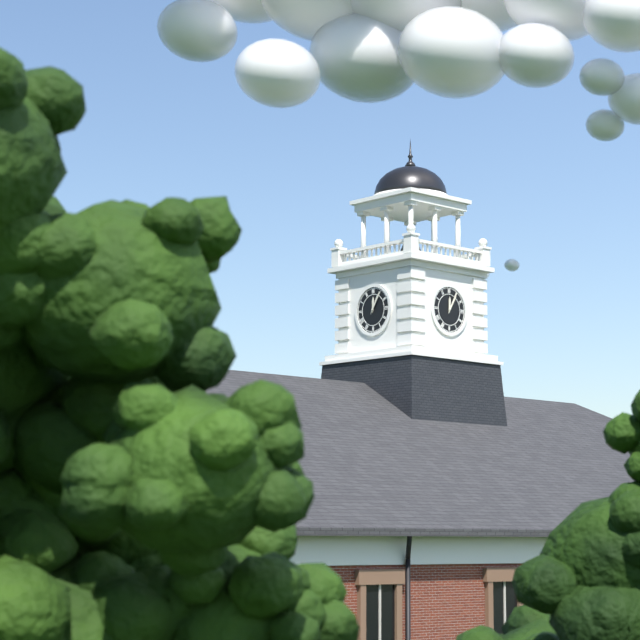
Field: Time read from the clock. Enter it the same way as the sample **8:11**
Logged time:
**12:05**
